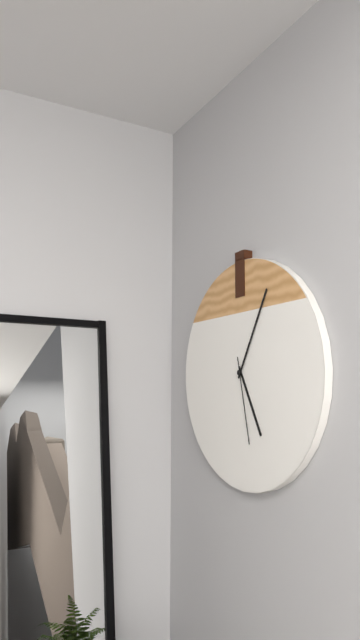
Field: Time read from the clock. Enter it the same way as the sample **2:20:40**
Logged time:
**5:05:28**
